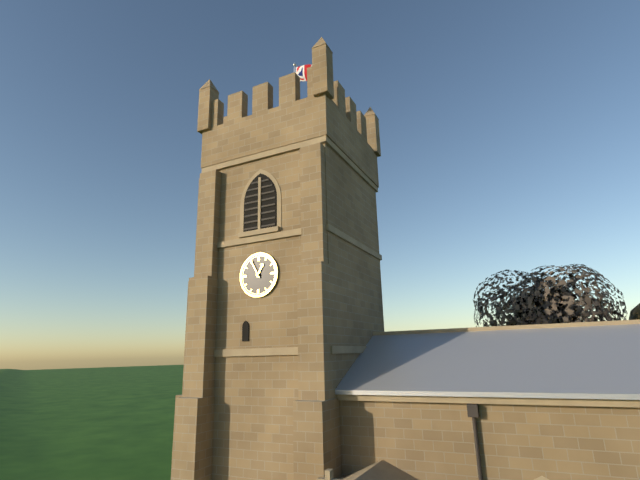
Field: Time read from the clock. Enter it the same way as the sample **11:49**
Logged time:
**12:55**
